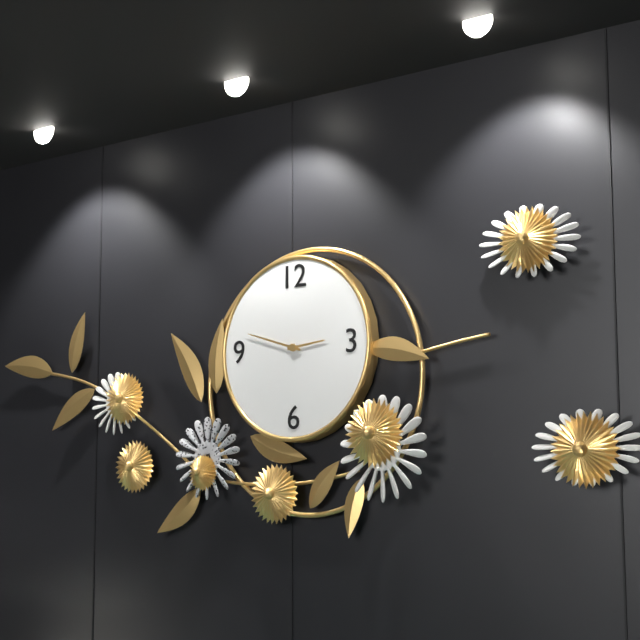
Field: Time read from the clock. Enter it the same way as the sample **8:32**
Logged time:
**2:48**
